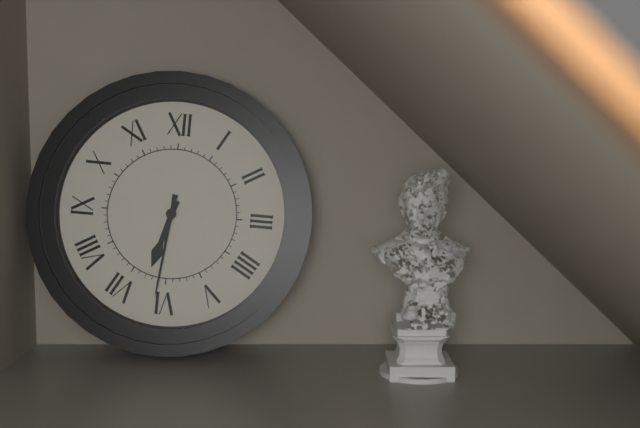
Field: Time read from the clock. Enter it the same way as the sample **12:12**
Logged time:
**6:31**
